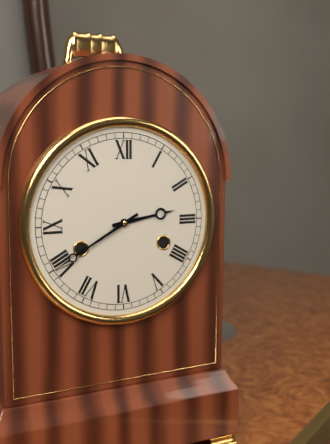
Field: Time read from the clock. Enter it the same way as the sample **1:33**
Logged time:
**2:40**
